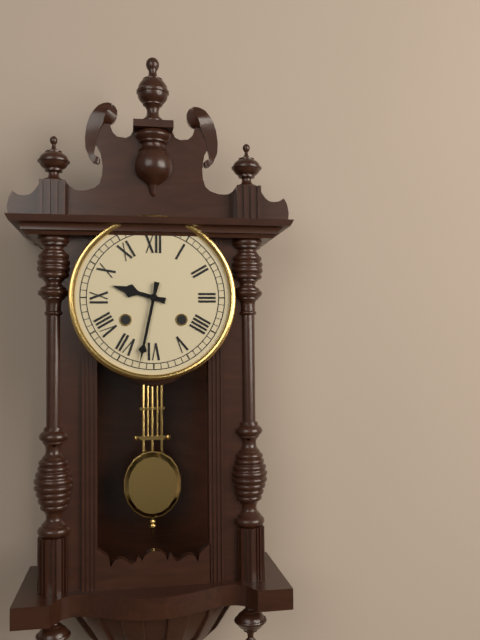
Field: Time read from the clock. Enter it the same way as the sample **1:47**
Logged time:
**9:32**
